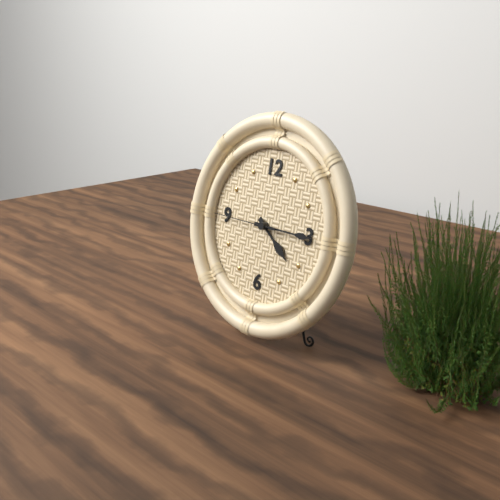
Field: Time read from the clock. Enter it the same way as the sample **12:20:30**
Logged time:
**4:15:45**
